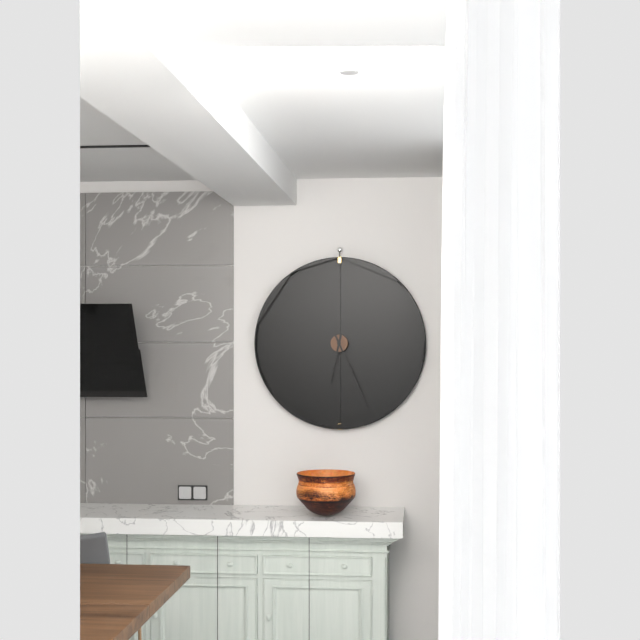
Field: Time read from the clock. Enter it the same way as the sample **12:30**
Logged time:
**6:26**
